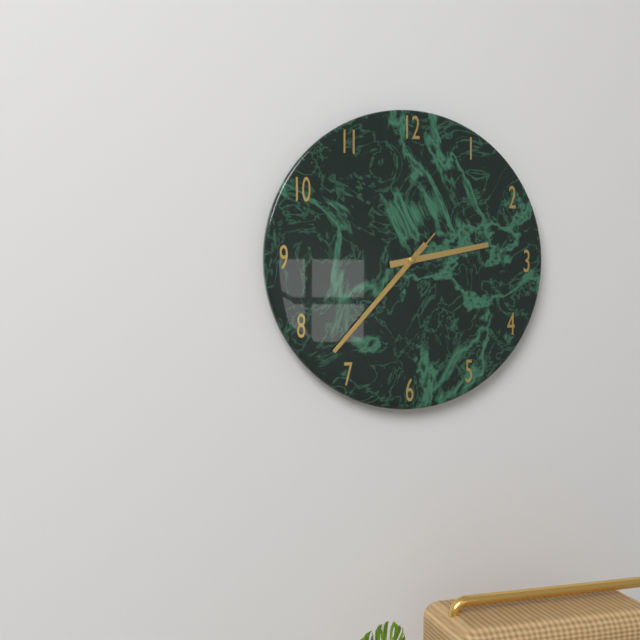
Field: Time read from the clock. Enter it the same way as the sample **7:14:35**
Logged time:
**2:37:37**
